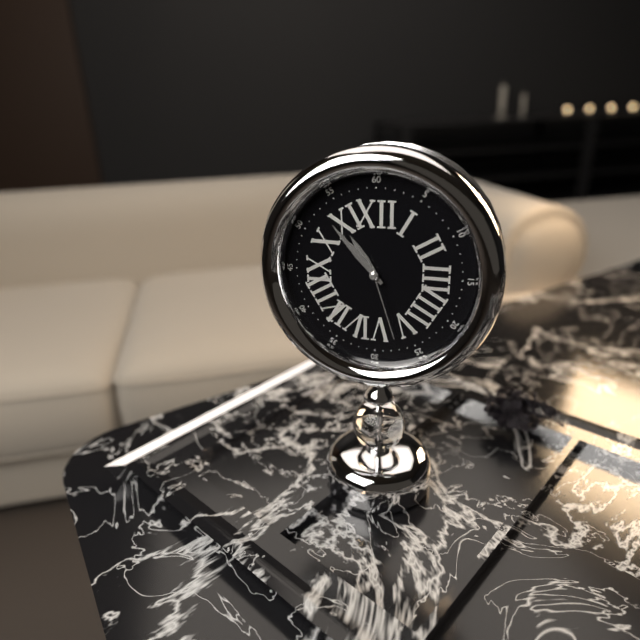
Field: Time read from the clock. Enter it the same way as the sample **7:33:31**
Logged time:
**10:53:27**
